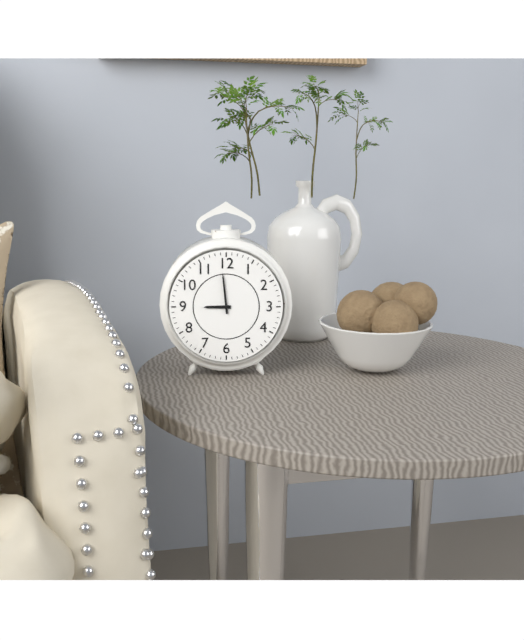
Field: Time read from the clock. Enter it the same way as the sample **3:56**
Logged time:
**8:59**
